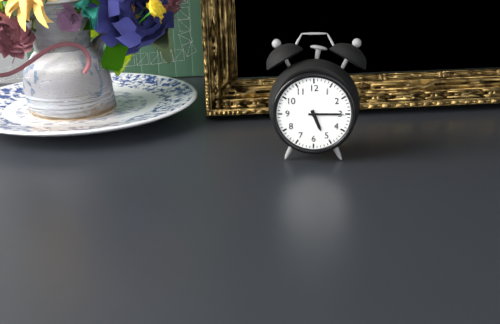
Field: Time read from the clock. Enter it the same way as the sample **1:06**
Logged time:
**5:15**
